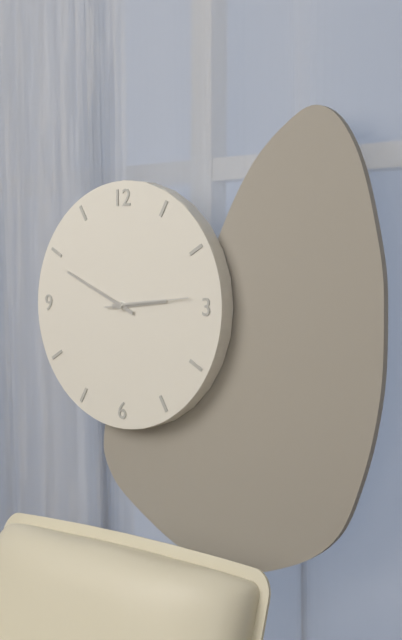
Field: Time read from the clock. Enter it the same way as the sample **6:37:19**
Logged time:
**2:49:14**
